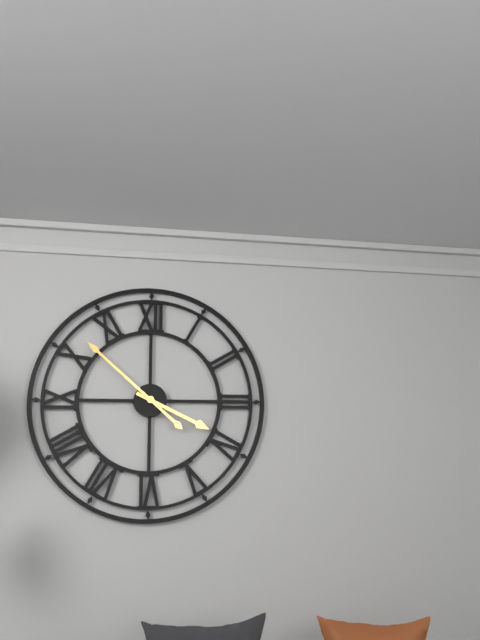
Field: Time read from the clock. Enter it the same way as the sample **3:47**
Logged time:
**3:52**
